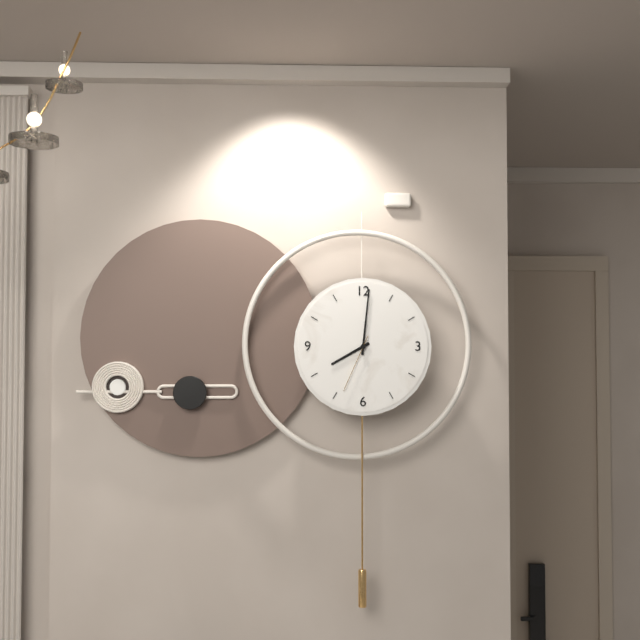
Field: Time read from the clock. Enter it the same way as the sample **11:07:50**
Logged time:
**8:01:34**
